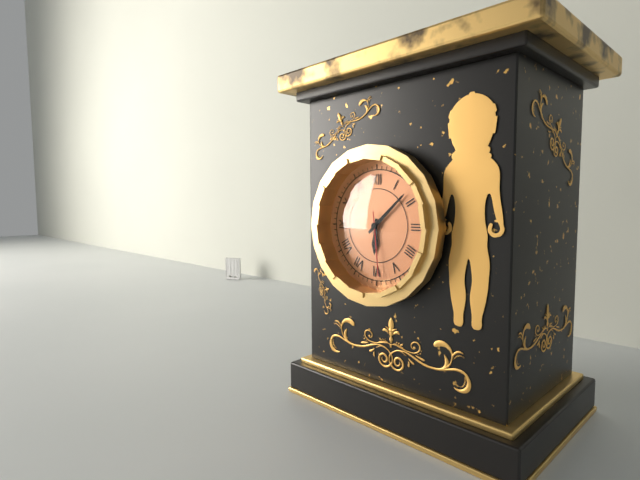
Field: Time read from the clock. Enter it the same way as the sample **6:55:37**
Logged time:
**6:08:29**
